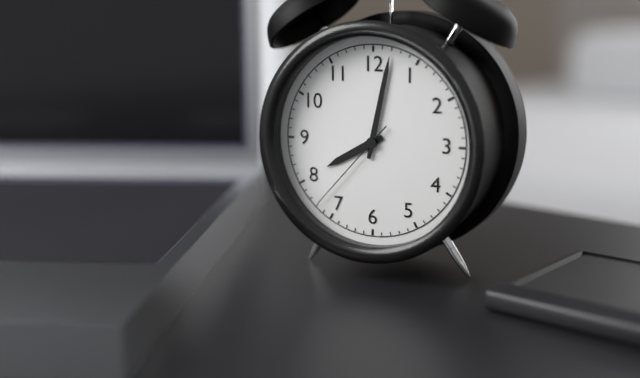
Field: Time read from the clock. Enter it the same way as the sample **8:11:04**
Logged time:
**8:02:37**
